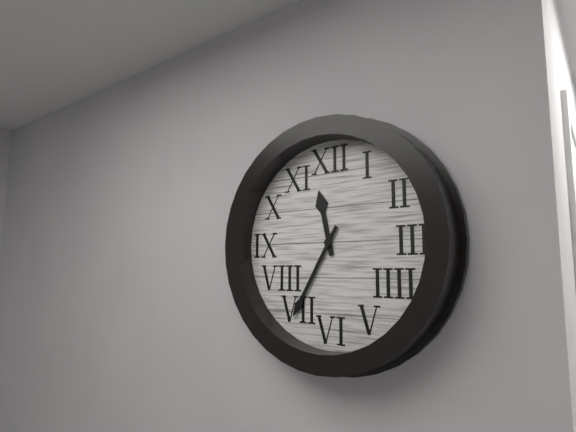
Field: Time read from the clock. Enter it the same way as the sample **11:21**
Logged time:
**11:35**
